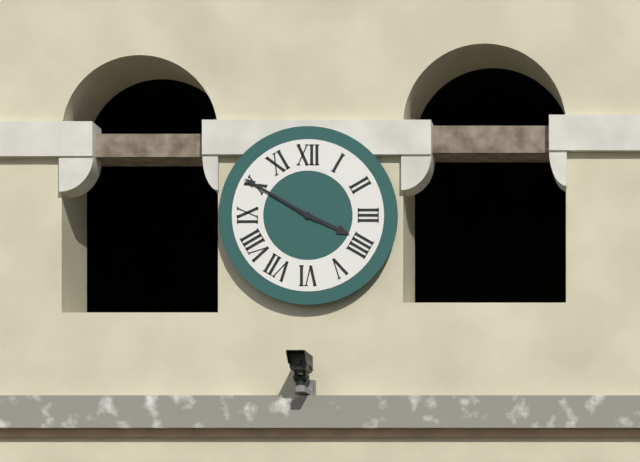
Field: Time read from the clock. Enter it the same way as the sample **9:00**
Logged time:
**3:50**
